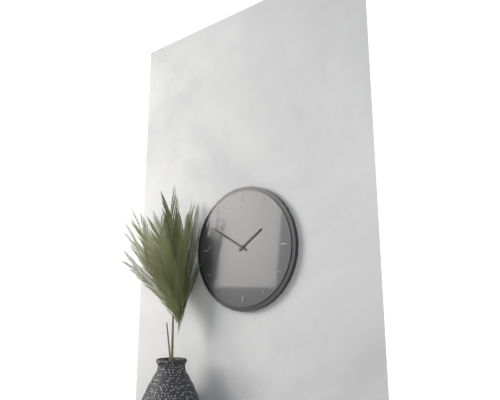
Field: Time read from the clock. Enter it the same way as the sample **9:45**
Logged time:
**1:50**
